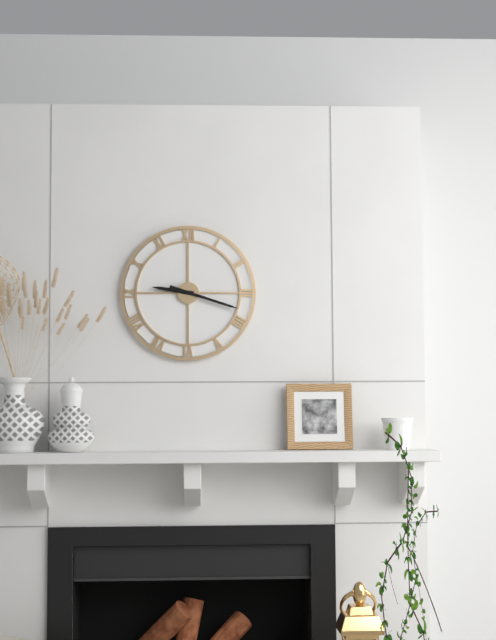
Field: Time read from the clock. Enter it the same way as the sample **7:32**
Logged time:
**9:18**
